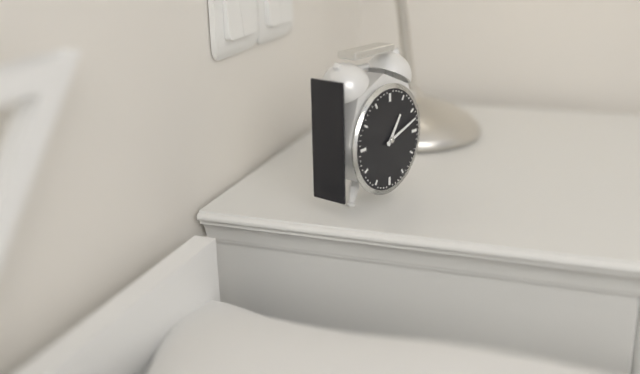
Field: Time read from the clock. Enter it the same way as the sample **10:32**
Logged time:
**1:12**
